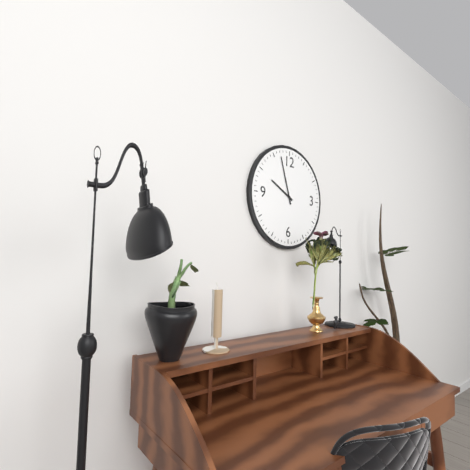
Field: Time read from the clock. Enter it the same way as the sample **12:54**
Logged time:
**9:57**
